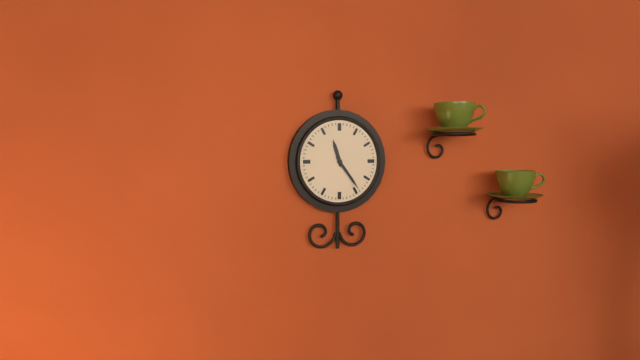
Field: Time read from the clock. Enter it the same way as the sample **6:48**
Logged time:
**11:24**
